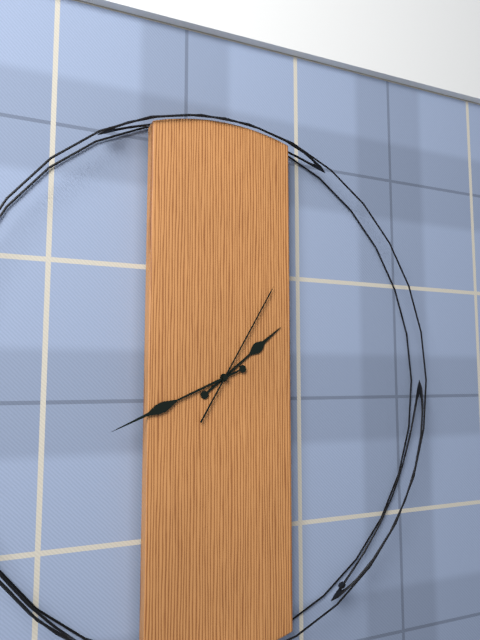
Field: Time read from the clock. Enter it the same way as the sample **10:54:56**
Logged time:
**1:41:05**
